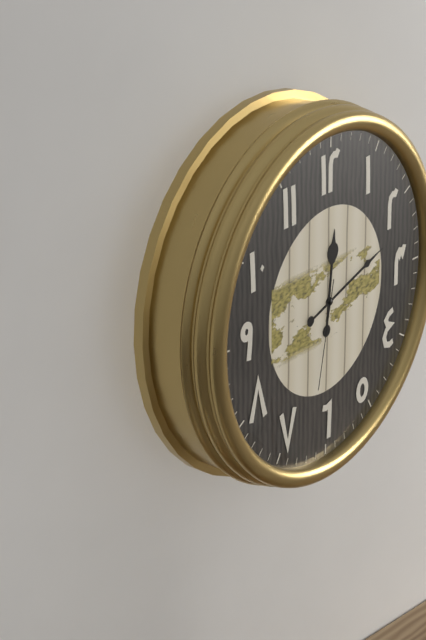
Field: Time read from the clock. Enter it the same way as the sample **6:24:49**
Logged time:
**12:12:32**
